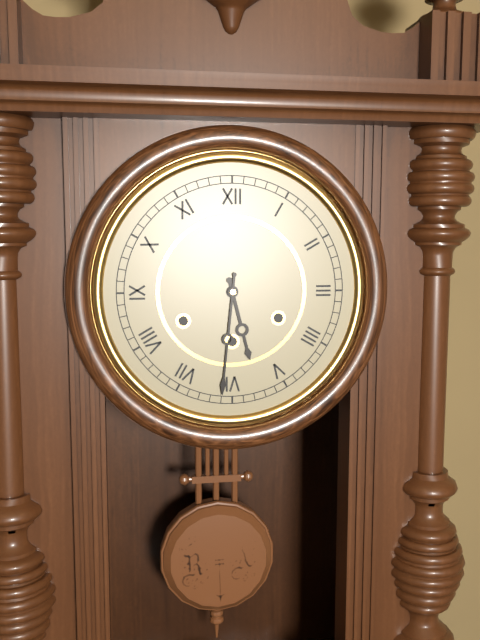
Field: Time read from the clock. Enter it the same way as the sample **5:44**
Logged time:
**5:31**
